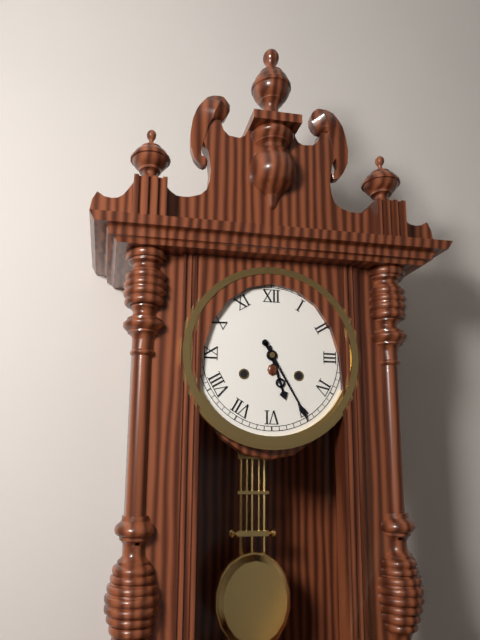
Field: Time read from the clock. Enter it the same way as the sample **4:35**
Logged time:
**5:25**
